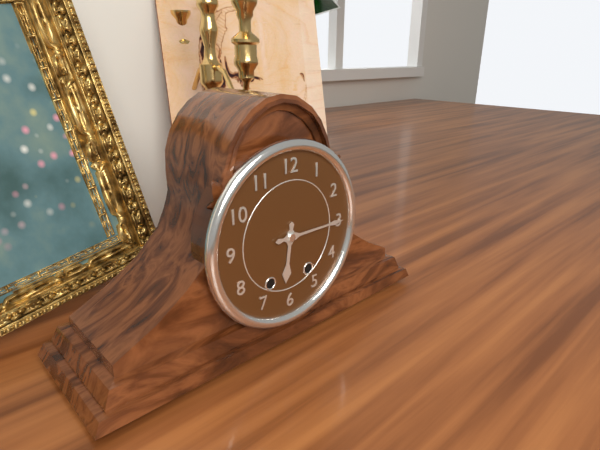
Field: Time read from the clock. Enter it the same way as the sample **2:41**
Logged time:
**6:15**
